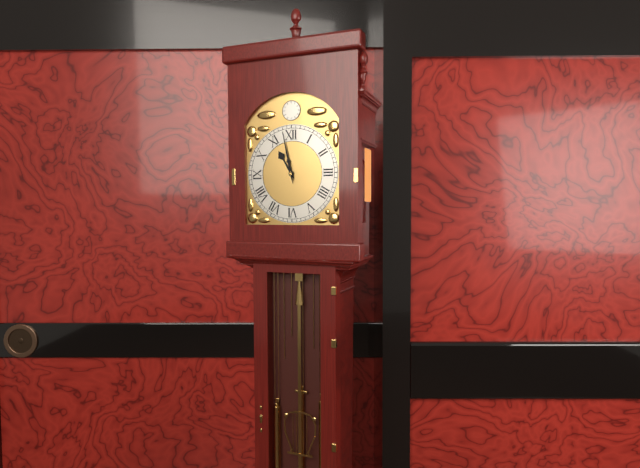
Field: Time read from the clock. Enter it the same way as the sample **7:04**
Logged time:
**10:58**
